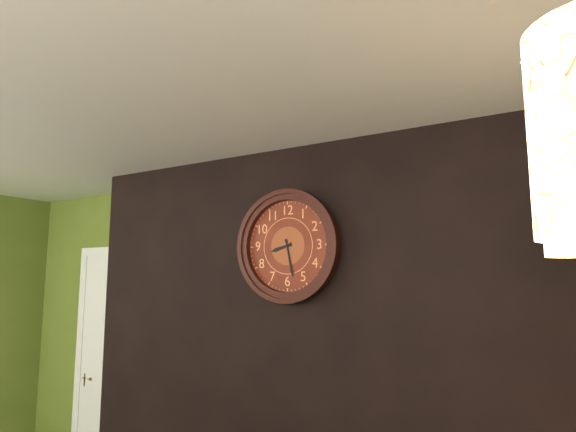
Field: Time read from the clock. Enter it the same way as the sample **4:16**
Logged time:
**8:28**
